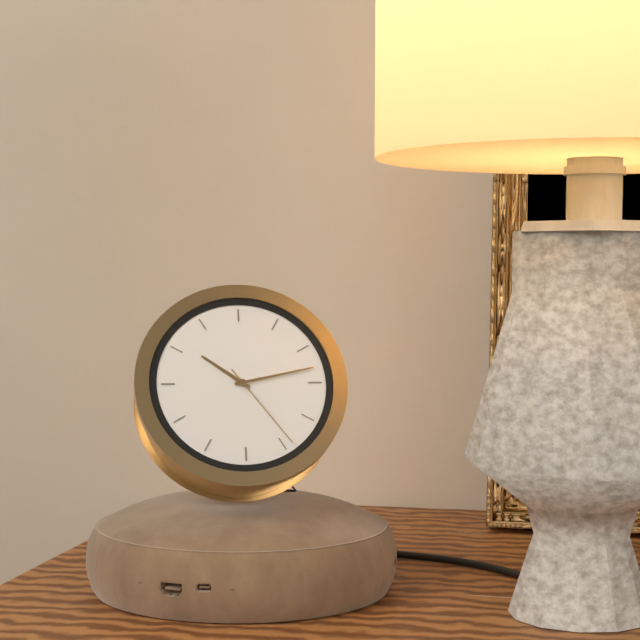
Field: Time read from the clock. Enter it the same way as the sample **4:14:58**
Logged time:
**10:13:24**
